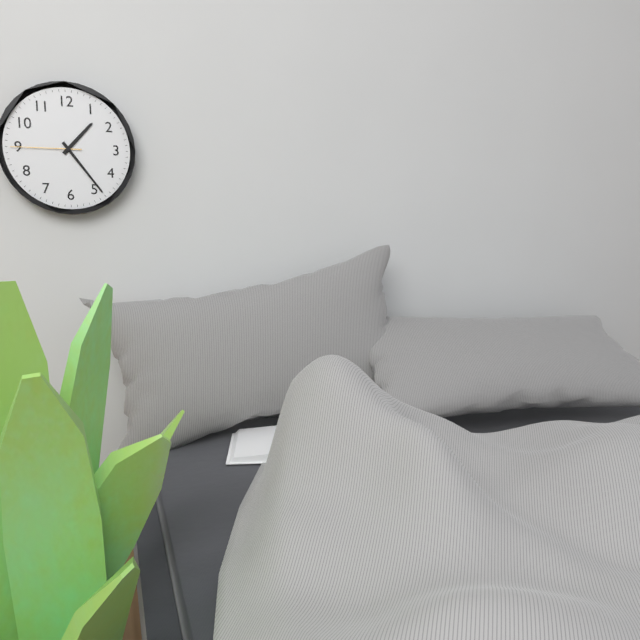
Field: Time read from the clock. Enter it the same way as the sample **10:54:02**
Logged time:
**1:24:45**
